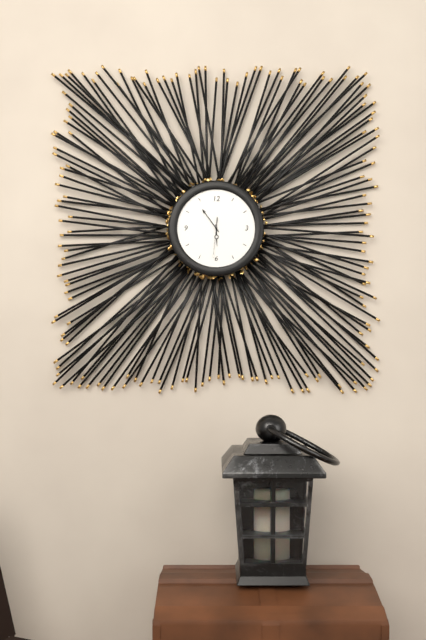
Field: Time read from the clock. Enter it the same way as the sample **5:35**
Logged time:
**5:54**
